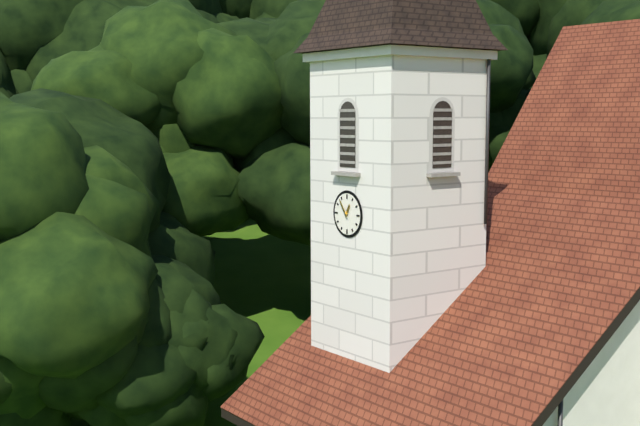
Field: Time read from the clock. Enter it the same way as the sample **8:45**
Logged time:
**12:54**
